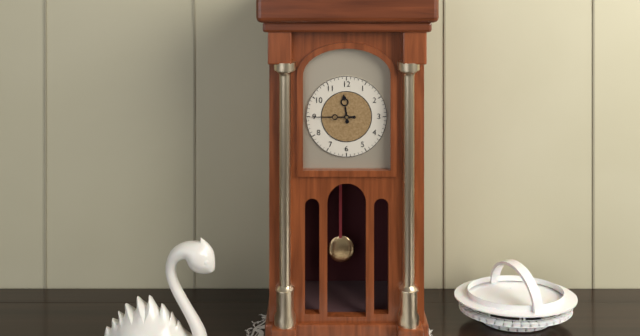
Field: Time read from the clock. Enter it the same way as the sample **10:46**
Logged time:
**11:45**
